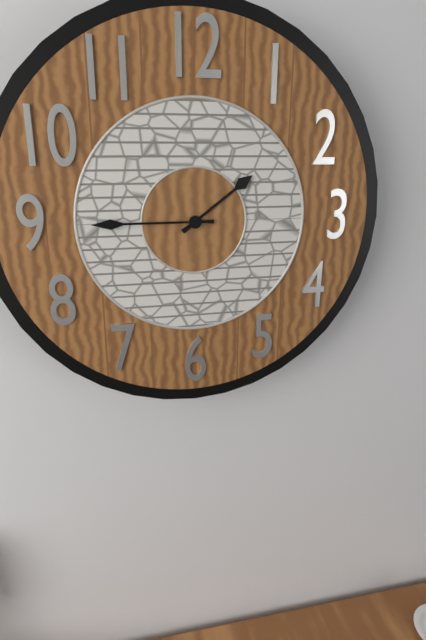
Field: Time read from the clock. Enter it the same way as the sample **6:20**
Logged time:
**1:45**
